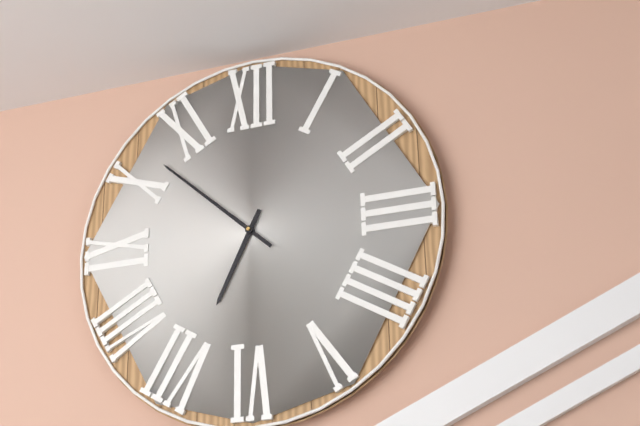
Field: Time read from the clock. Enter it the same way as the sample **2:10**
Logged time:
**6:52**
